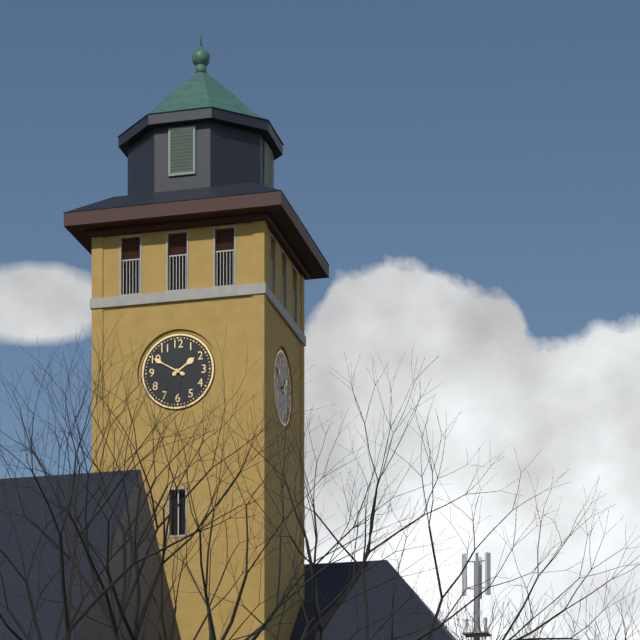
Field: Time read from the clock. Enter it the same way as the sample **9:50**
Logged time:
**1:50**
